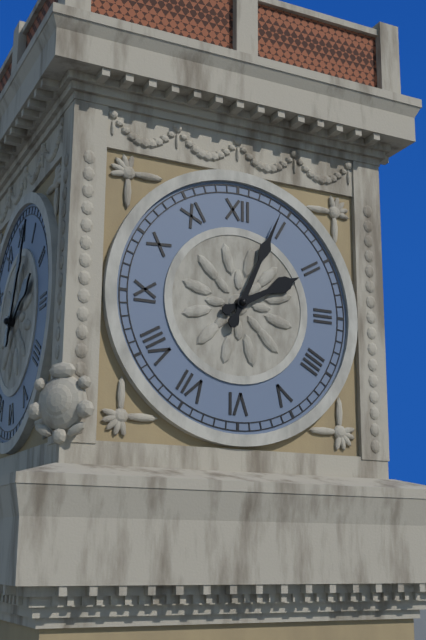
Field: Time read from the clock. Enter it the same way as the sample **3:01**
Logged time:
**2:04**
